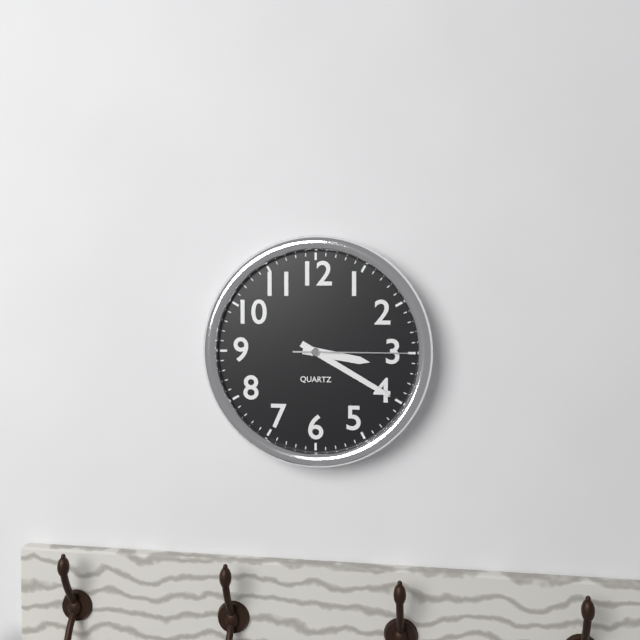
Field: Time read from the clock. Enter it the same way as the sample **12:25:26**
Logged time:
**3:20:15**
